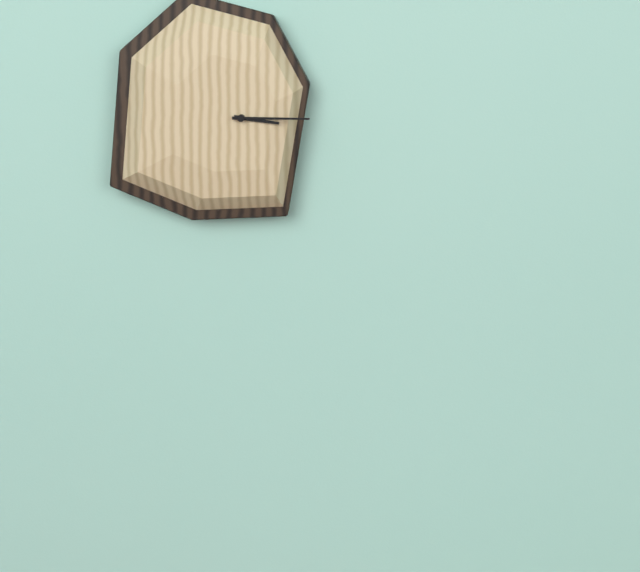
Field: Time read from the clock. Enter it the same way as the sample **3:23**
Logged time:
**3:15**
